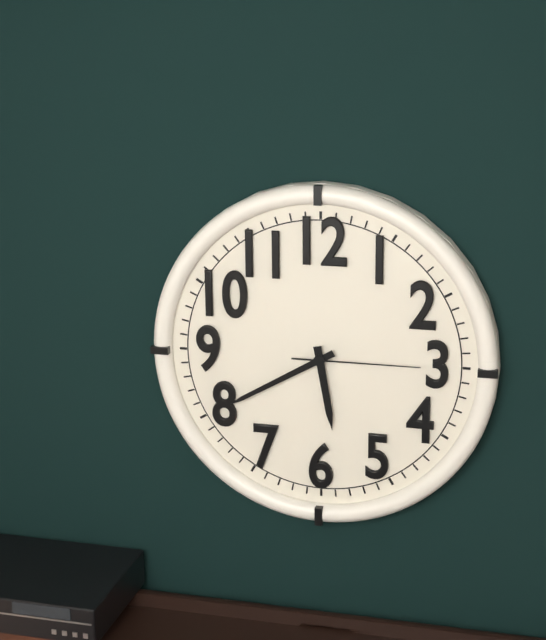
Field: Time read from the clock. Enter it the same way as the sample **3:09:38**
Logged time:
**5:40:15**
